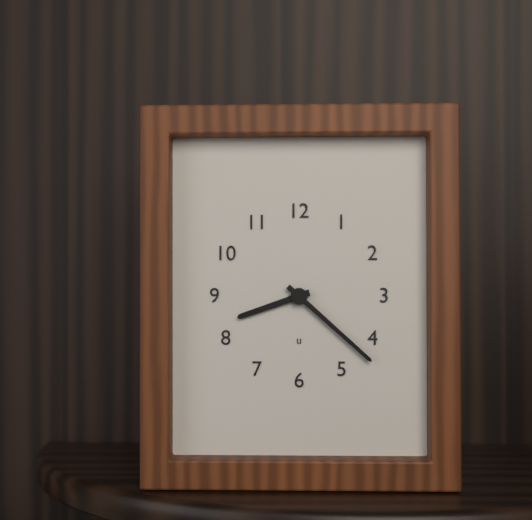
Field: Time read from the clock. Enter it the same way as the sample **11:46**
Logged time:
**8:22**
